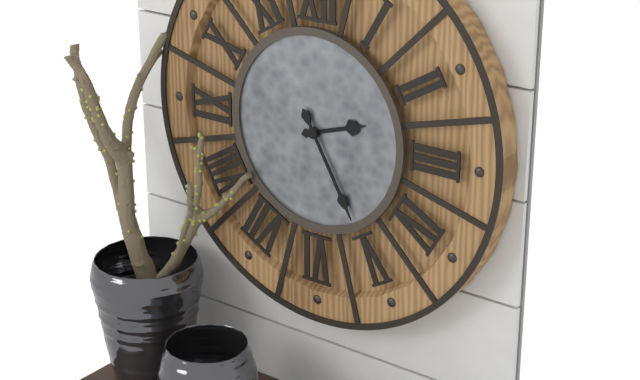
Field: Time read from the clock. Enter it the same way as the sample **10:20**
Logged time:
**2:25**
